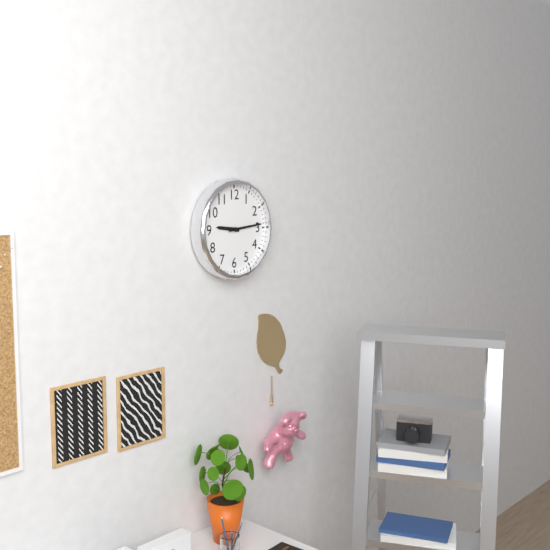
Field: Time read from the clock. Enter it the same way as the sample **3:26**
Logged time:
**9:14**
